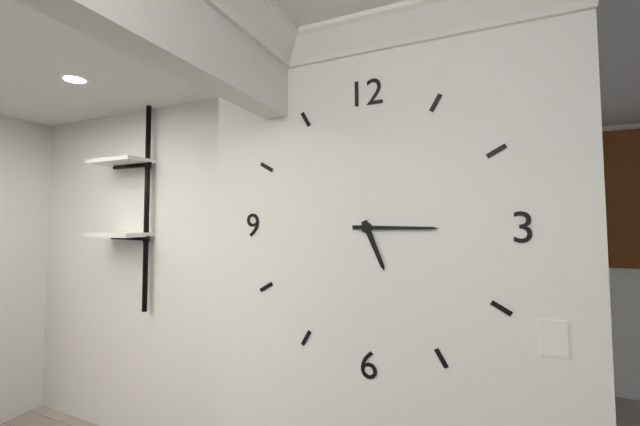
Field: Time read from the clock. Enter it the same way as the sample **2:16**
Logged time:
**5:15**
